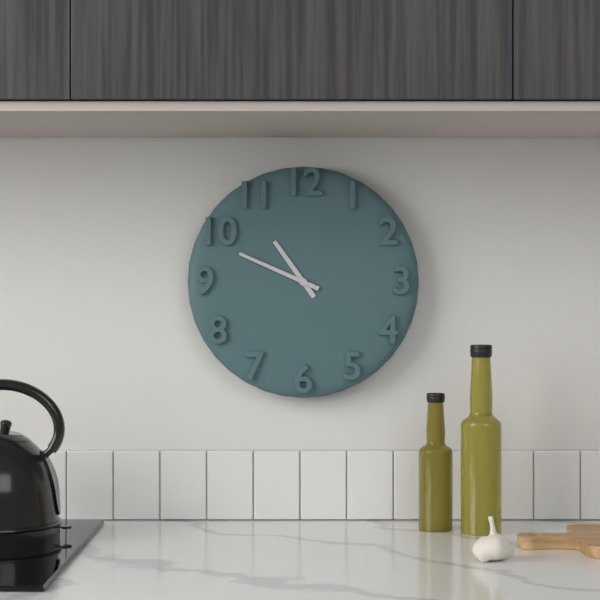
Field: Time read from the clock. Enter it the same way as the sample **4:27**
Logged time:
**10:49**
